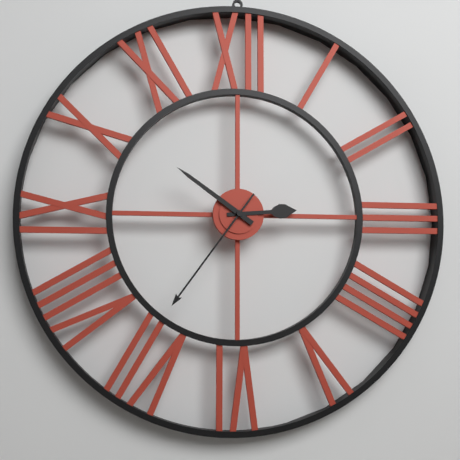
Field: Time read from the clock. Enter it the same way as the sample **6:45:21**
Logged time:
**2:51:36**
